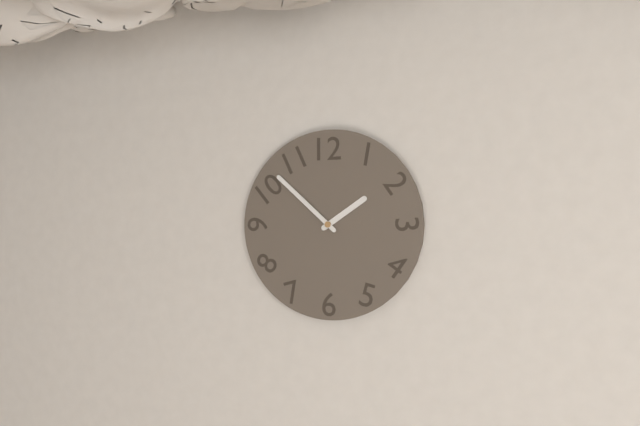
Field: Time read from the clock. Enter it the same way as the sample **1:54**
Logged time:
**1:52**
